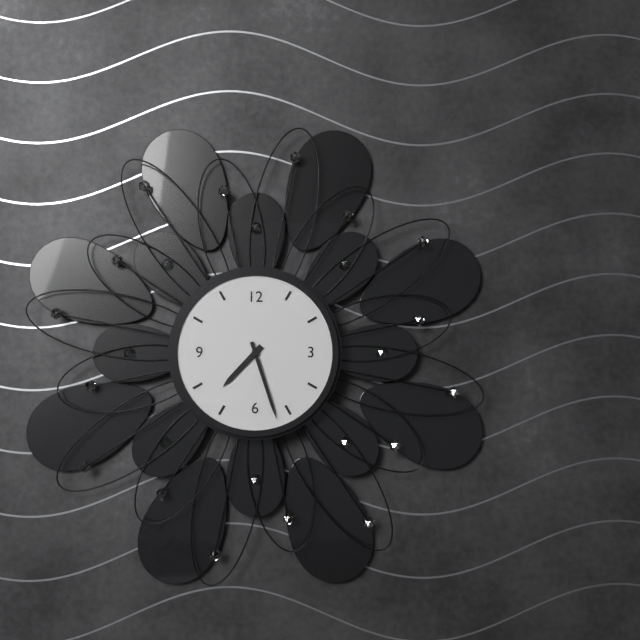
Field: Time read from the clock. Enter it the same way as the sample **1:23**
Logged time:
**7:27**
